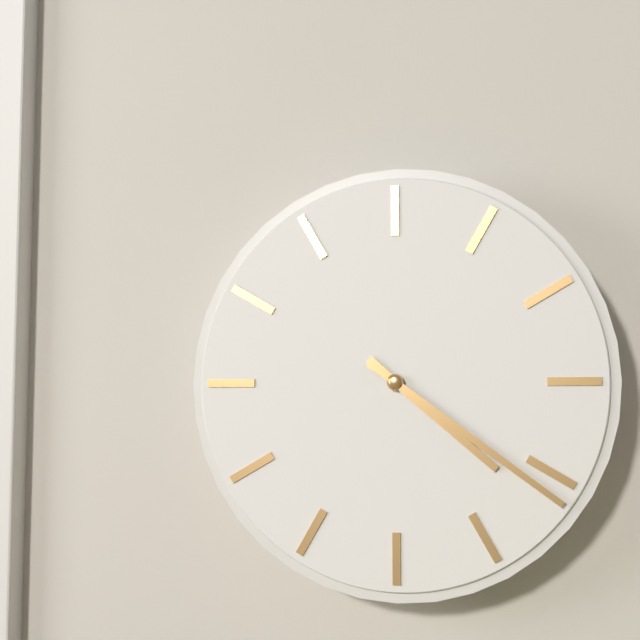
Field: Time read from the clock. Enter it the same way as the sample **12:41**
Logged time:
**4:21**
